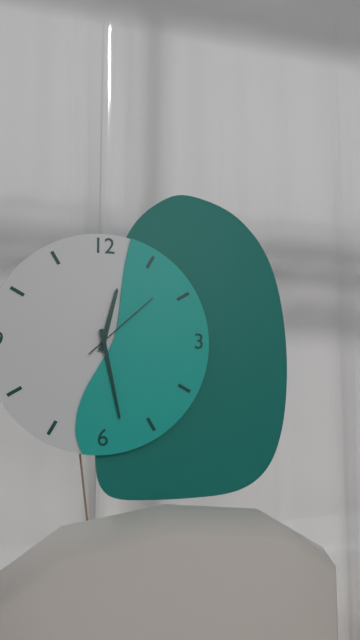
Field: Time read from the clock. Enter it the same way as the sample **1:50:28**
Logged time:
**12:28:08**
